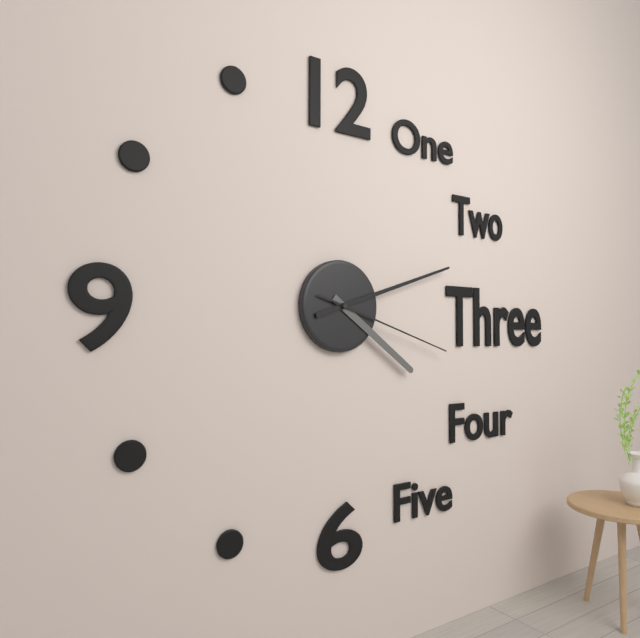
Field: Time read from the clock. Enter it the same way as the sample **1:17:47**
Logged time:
**4:12:18**
